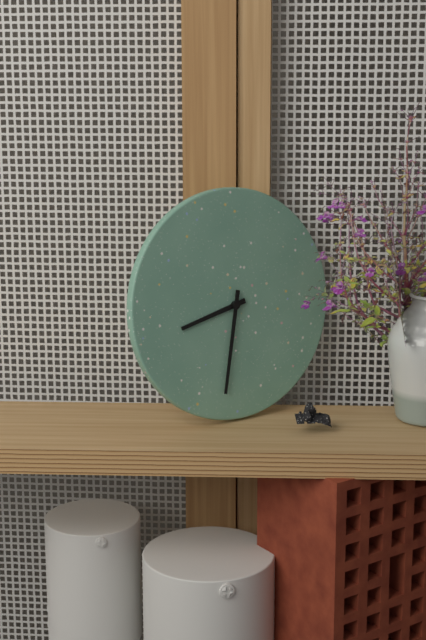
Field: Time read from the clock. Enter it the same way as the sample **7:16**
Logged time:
**8:32**
